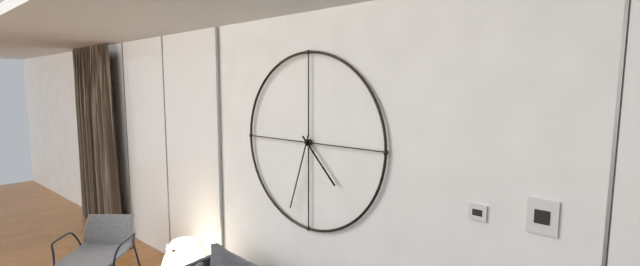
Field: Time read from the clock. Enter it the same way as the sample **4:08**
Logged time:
**4:33**
